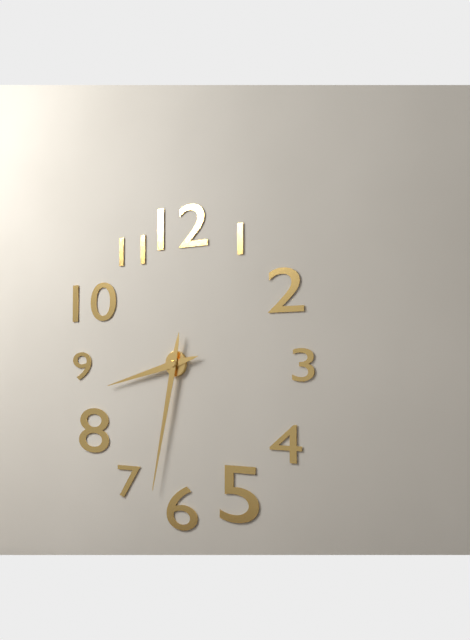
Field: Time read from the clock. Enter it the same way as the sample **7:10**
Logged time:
**8:32**
